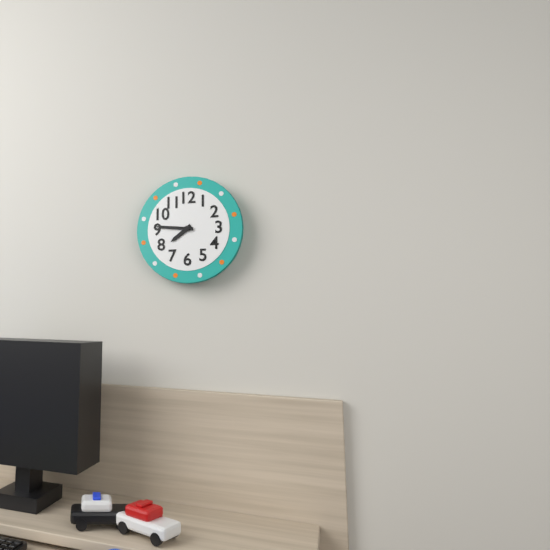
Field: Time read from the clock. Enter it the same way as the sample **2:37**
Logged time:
**7:46**
